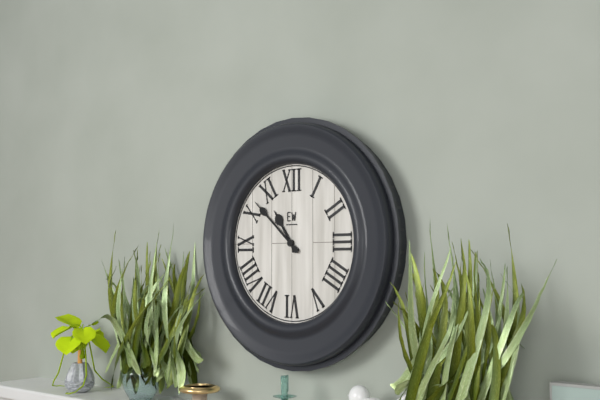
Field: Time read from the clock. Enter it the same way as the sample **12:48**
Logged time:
**10:52**
